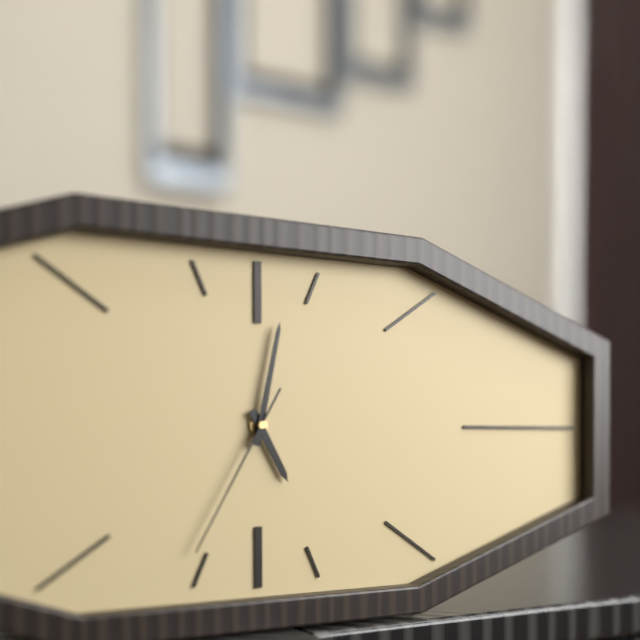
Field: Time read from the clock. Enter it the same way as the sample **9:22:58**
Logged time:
**5:02:35**
